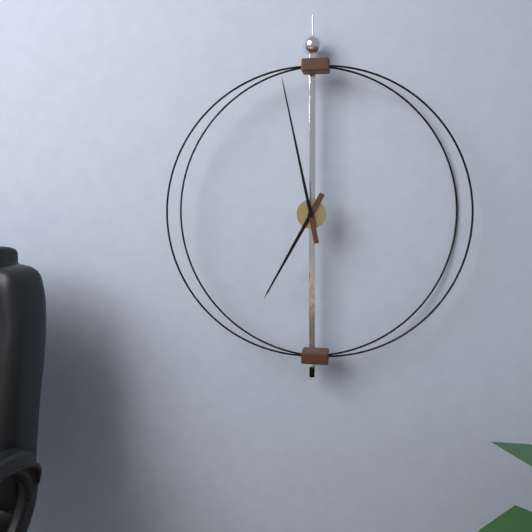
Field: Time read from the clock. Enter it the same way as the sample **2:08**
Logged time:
**6:58**
